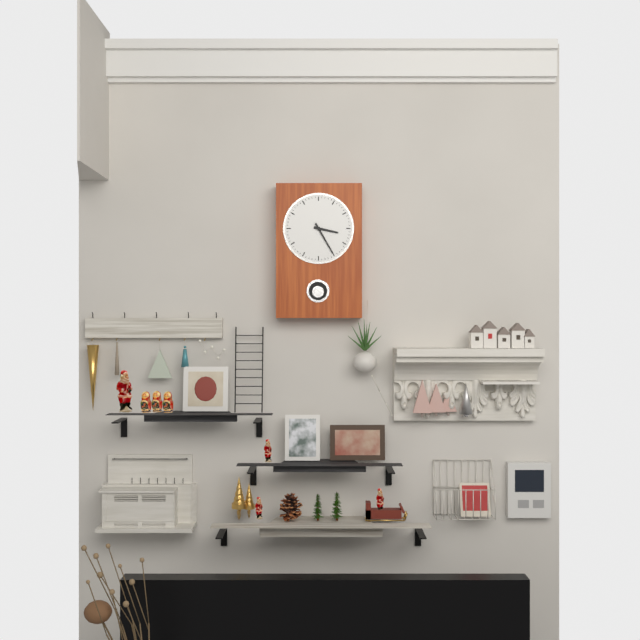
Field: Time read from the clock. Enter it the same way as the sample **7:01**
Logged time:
**3:25**
